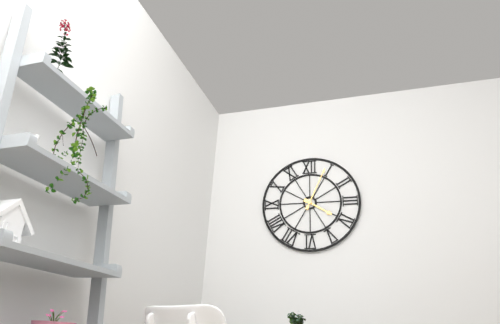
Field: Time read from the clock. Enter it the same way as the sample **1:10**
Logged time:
**4:04**
